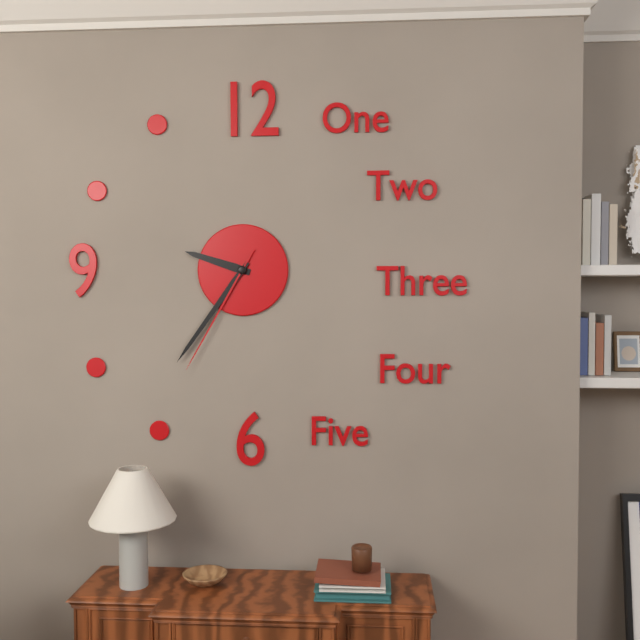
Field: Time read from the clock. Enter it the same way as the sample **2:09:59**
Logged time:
**9:36:35**
